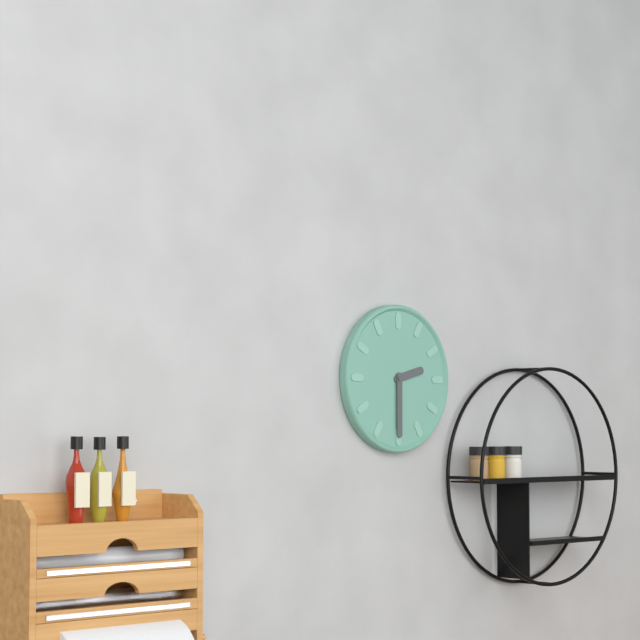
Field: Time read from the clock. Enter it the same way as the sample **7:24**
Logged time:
**2:30**
